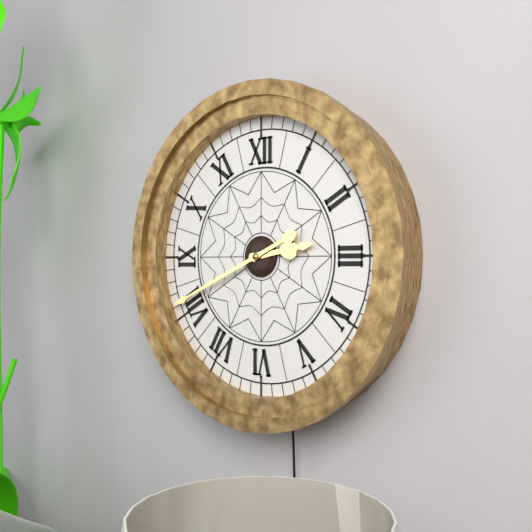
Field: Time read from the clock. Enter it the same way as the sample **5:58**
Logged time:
**2:41**
